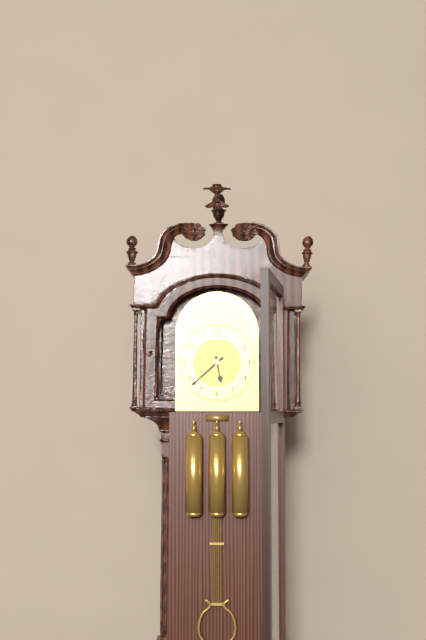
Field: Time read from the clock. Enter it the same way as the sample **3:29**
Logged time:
**5:38**
